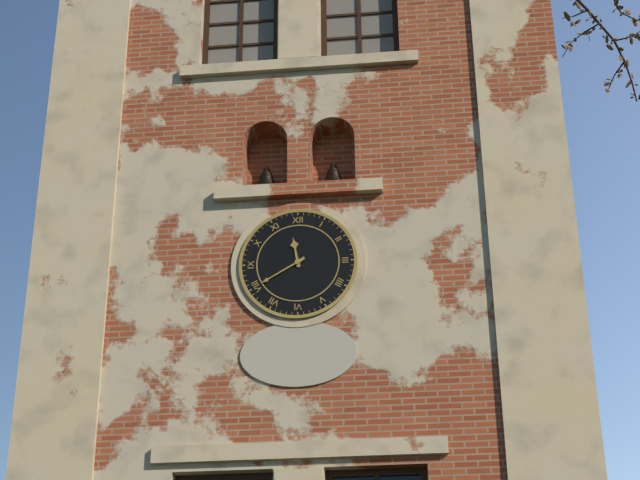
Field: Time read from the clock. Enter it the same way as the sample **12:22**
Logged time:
**11:40**
